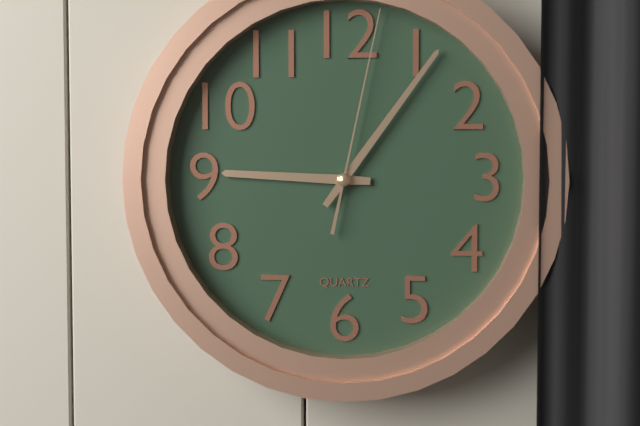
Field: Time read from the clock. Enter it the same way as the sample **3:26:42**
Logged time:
**9:06:02**
